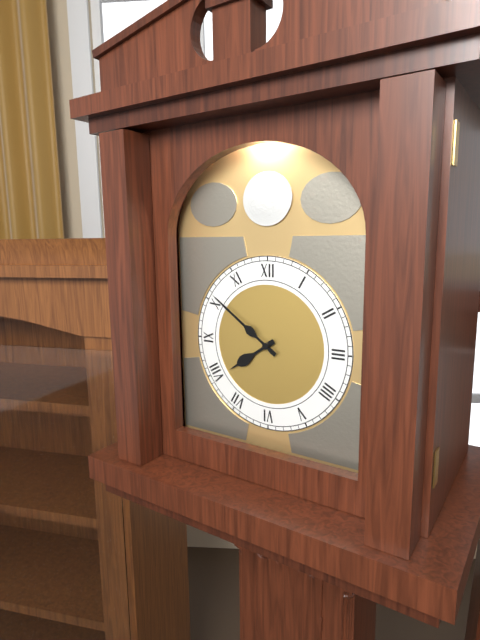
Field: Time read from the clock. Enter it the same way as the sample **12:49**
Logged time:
**7:51**
